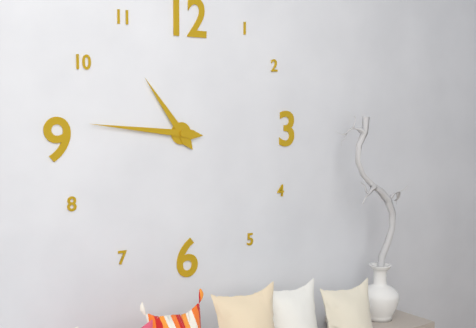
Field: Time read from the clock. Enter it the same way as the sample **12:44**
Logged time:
**10:46**
